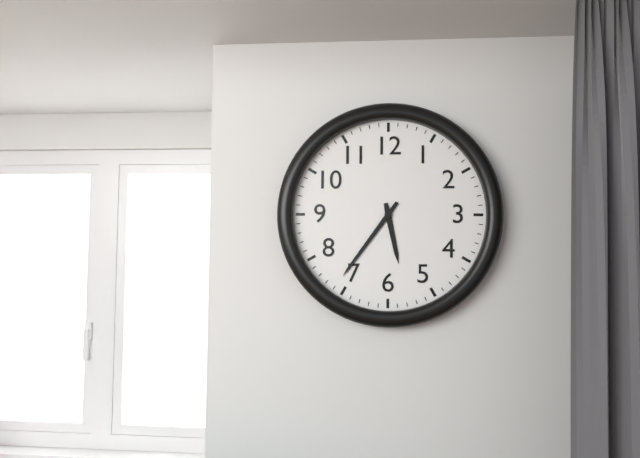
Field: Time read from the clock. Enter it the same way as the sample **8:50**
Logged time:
**5:36**
